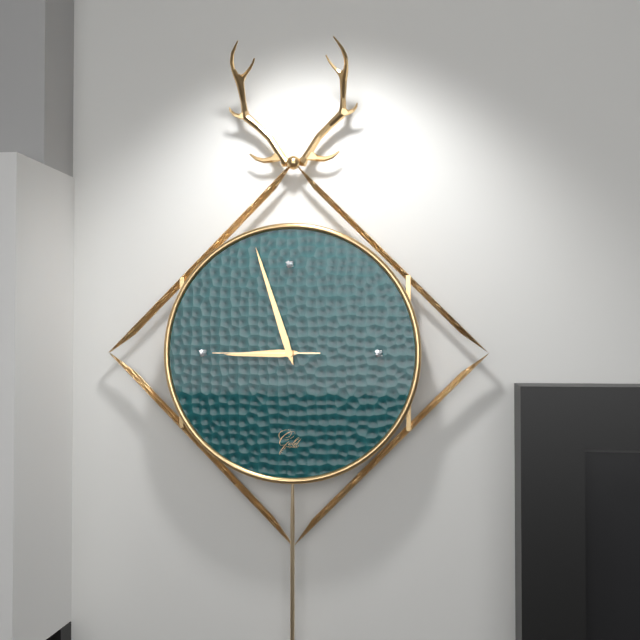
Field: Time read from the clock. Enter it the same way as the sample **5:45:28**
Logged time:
**8:57:45**
